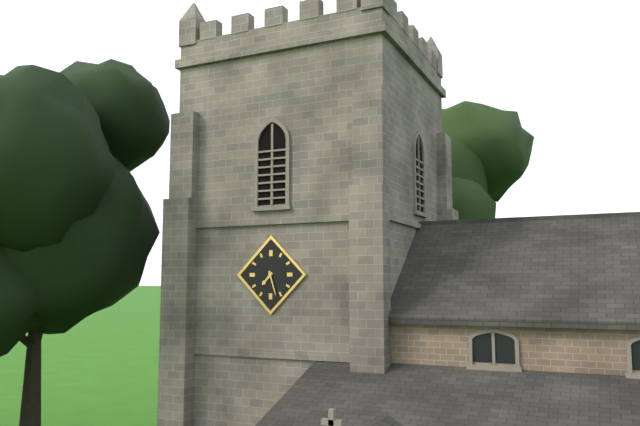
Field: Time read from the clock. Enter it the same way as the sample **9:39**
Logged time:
**7:27**
